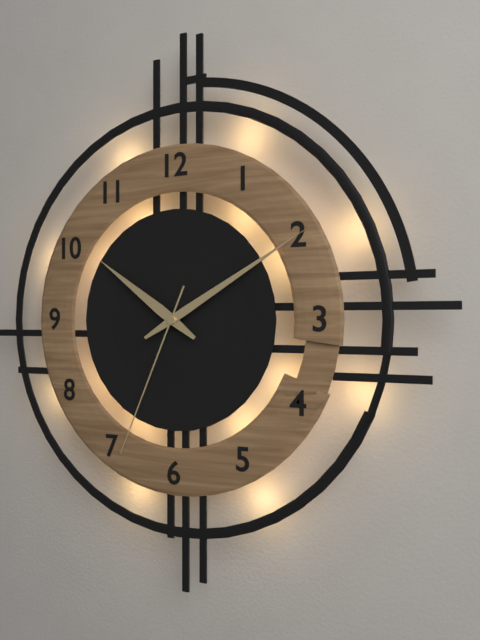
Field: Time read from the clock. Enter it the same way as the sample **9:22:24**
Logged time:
**10:10:34**
